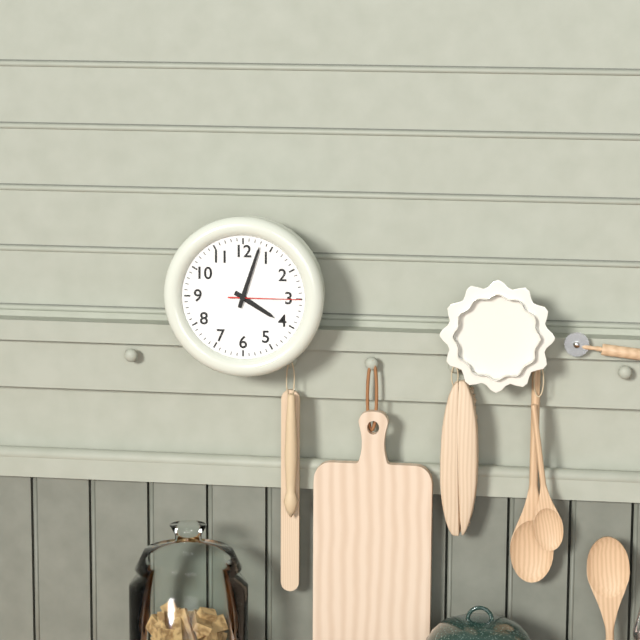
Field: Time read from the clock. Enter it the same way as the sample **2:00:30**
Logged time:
**4:03:15**
